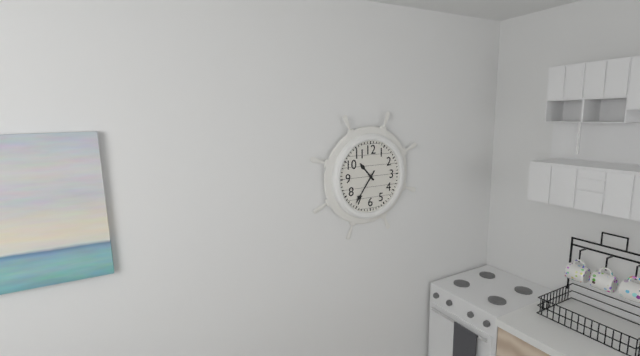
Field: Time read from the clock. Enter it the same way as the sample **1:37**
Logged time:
**10:36**
